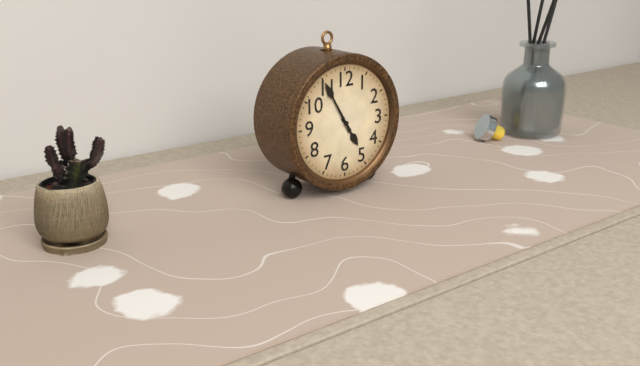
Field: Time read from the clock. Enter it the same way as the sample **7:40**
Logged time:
**4:55**
